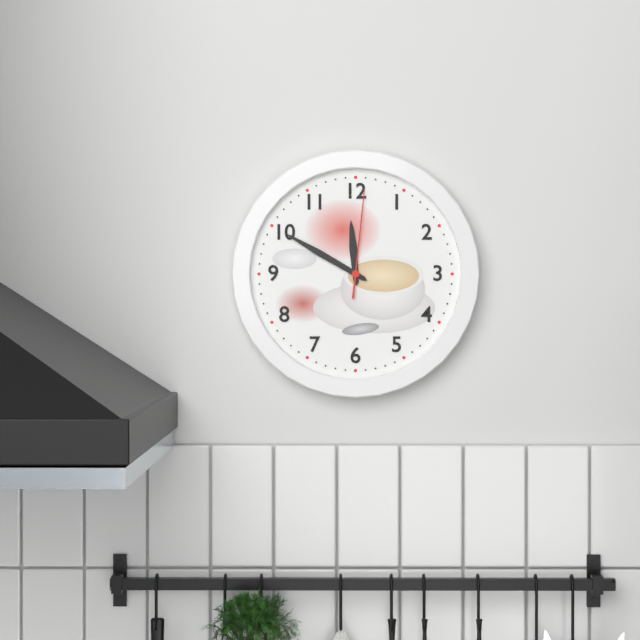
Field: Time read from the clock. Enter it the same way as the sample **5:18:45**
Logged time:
**11:50:01**
